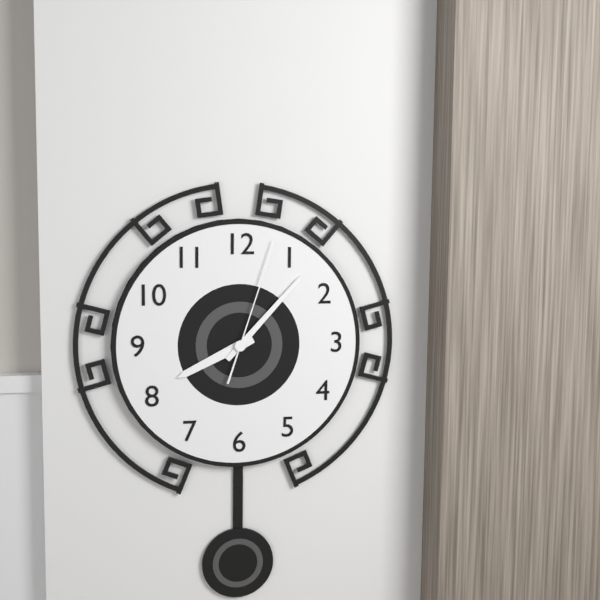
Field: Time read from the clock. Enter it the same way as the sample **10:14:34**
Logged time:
**8:07:03**
